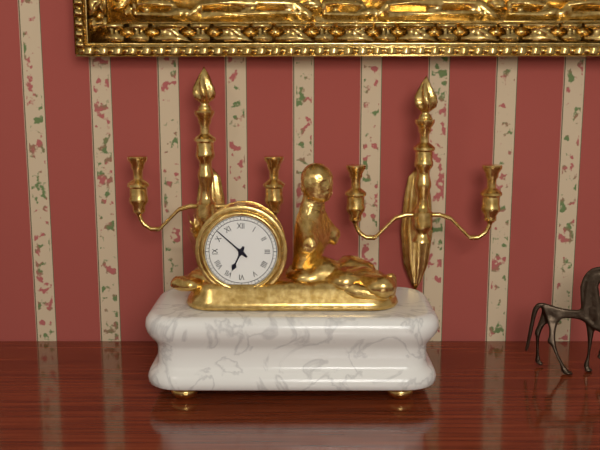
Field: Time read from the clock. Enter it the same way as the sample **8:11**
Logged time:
**6:52**
